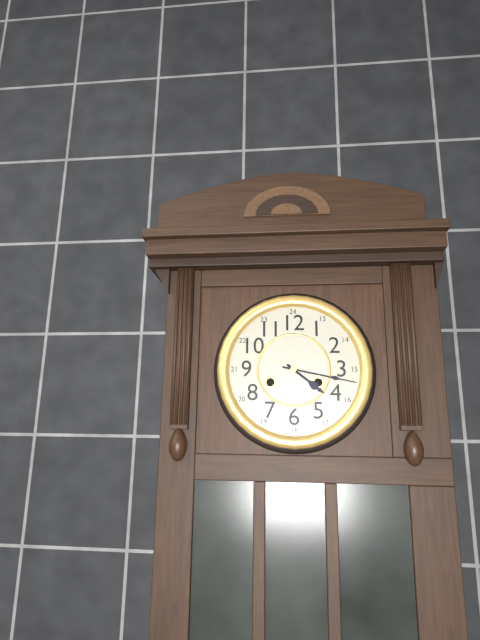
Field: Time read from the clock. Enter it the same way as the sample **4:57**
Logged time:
**4:17**
